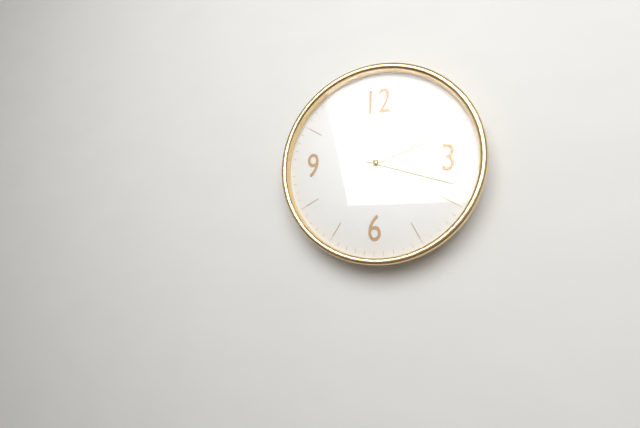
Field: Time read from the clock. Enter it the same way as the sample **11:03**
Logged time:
**2:18**
